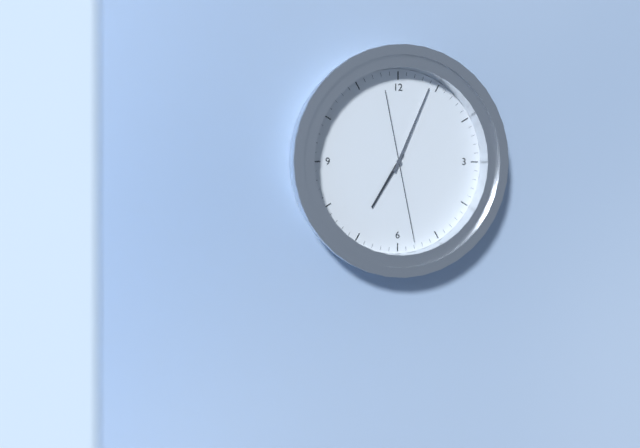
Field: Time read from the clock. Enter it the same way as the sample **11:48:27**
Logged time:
**7:04:28**
